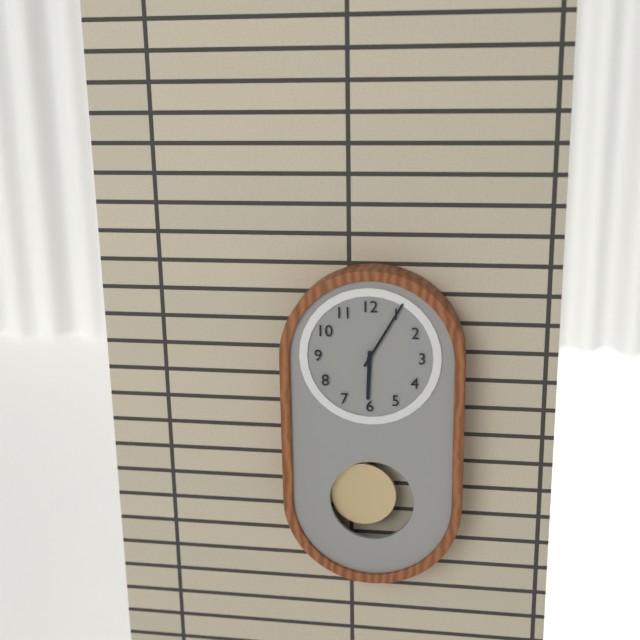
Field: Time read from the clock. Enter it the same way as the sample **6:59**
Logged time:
**6:05**
